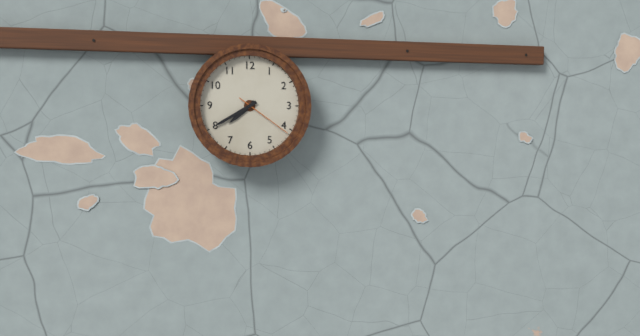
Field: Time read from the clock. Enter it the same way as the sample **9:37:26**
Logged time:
**7:40:21**
